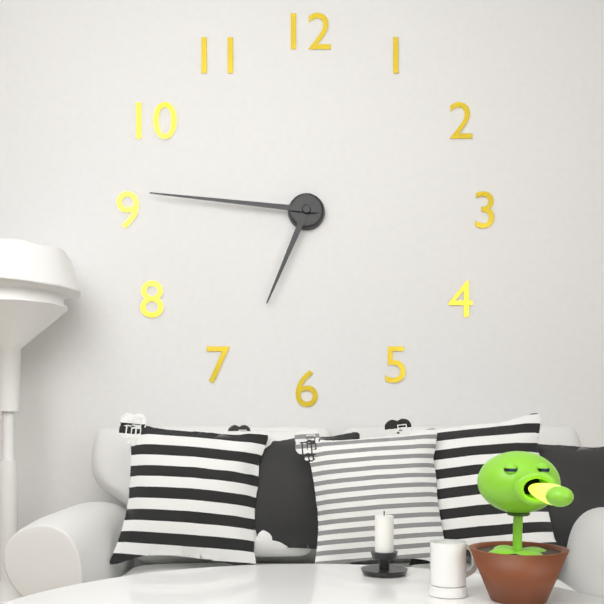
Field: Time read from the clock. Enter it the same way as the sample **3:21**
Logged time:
**6:46**
